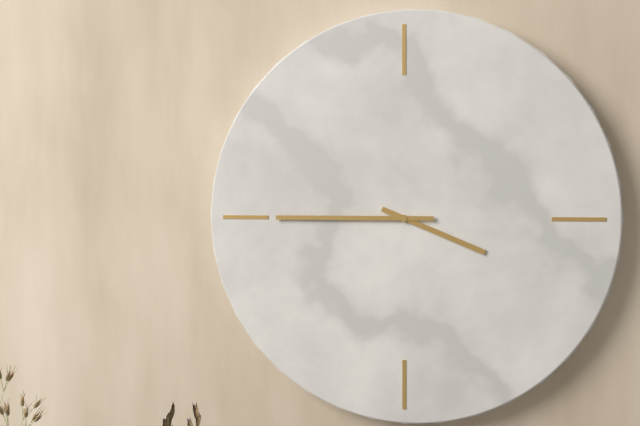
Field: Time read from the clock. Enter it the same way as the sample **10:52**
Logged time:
**3:45**
